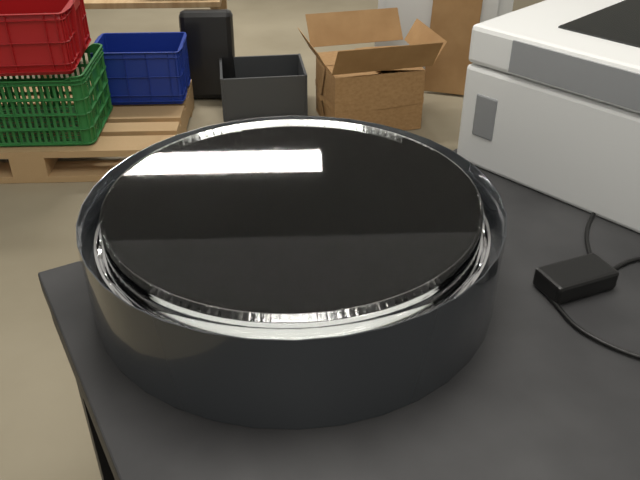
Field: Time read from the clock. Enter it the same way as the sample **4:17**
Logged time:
**11:41**
